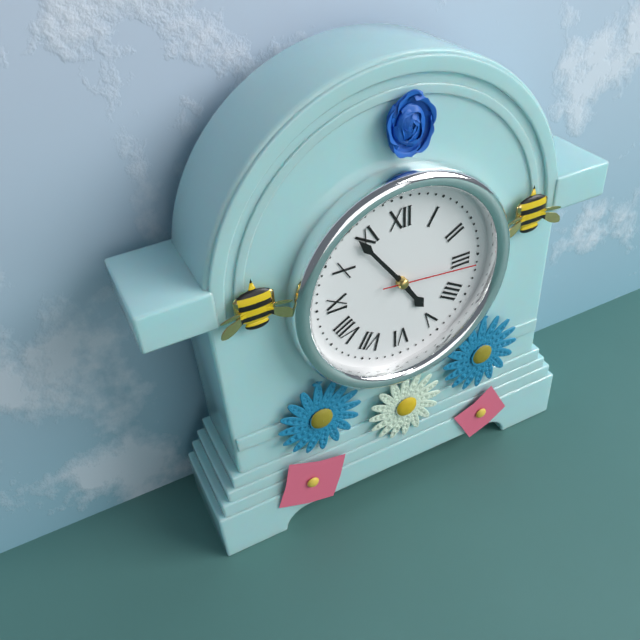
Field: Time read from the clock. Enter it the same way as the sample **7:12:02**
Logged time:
**4:54:16**
